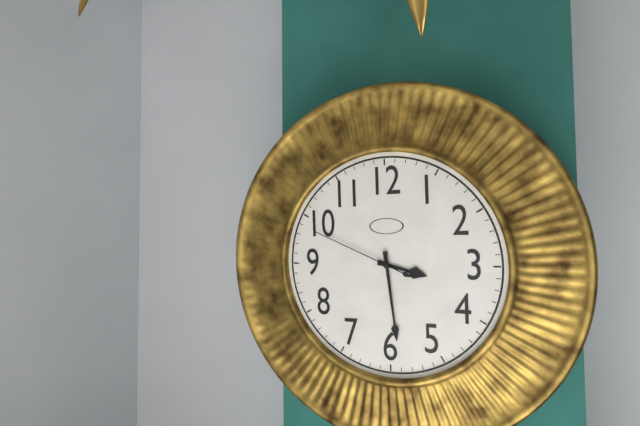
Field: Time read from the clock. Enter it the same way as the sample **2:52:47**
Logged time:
**3:29:49**
